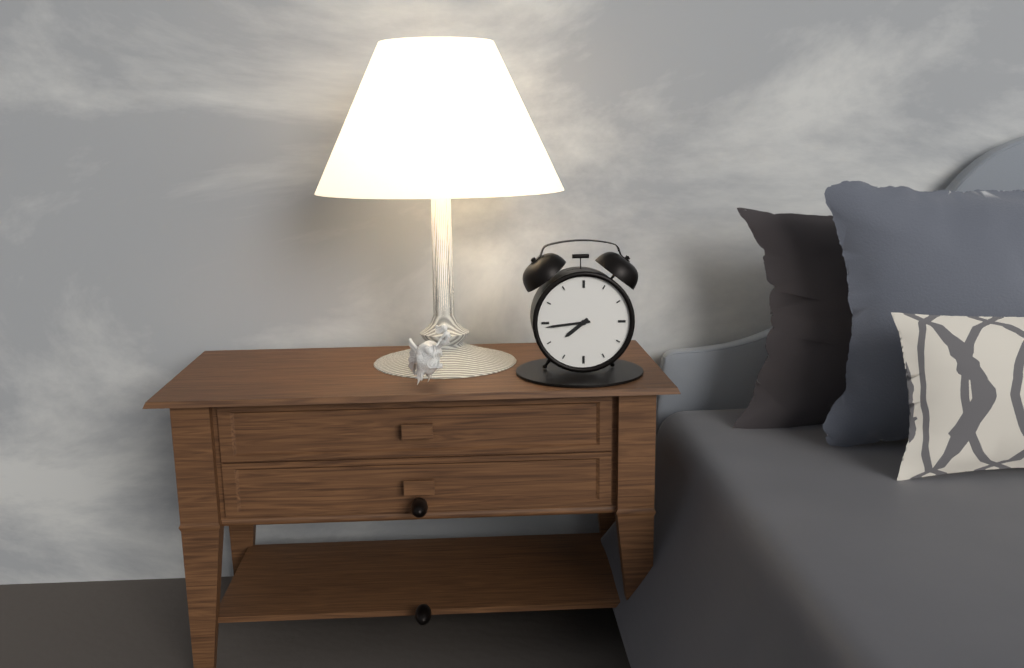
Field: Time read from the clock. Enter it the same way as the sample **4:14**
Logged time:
**7:44**
